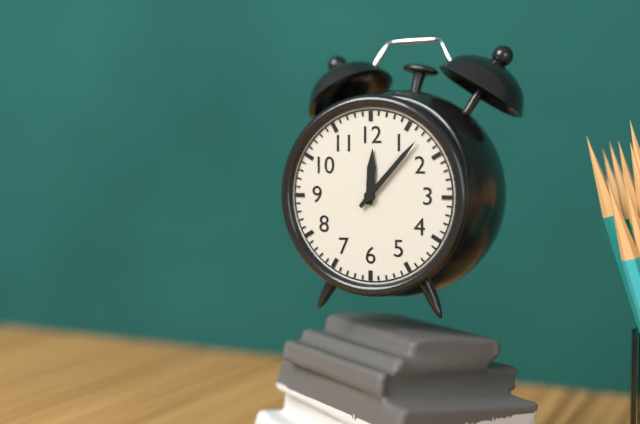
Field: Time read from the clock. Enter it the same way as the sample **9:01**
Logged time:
**12:07**
